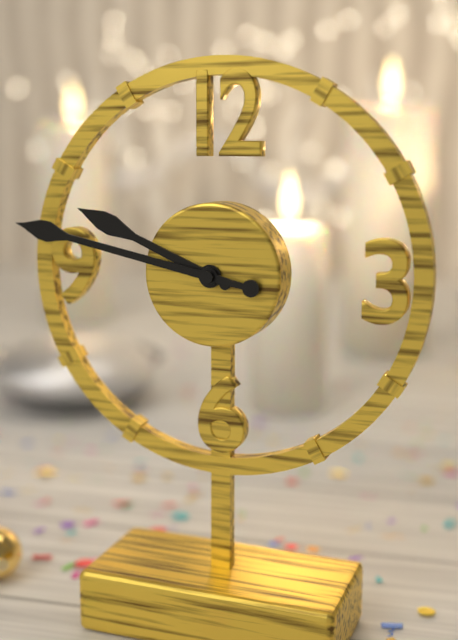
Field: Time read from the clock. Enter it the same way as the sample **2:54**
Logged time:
**9:47**
